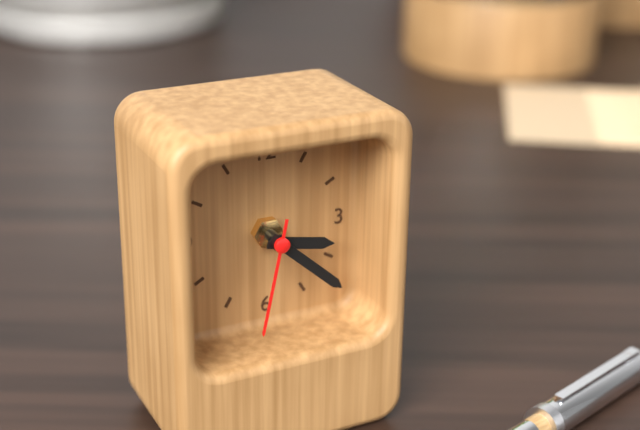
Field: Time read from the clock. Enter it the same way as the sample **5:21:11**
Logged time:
**3:22:32**
